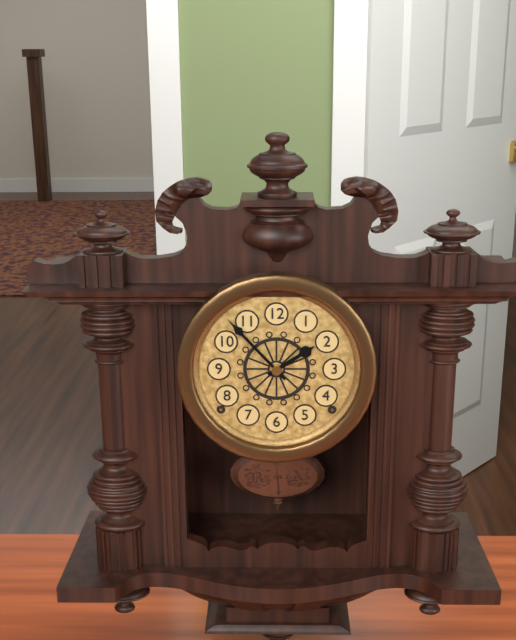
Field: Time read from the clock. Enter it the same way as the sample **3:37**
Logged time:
**1:53**
